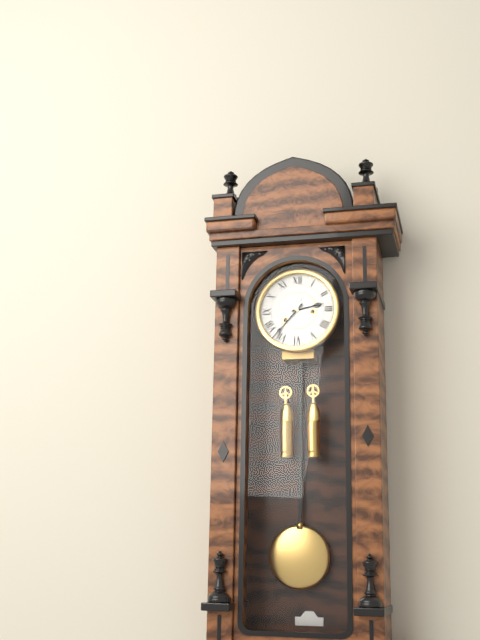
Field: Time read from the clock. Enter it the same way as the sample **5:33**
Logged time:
**2:37**
